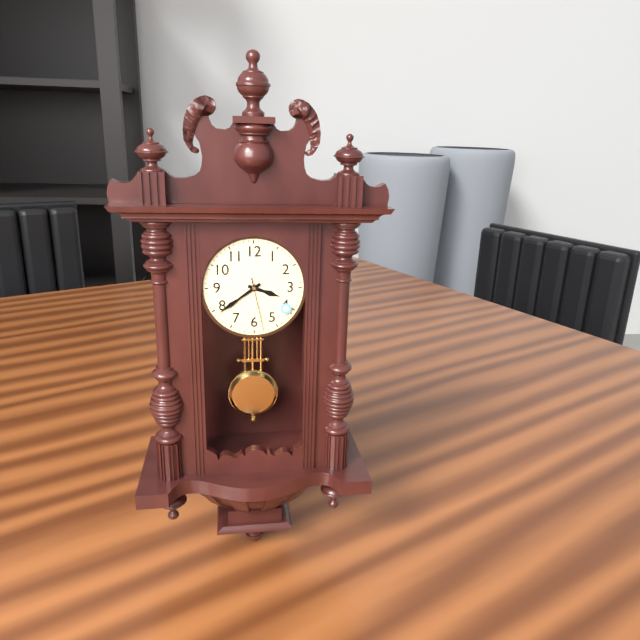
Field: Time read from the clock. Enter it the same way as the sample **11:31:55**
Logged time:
**3:39:28**
